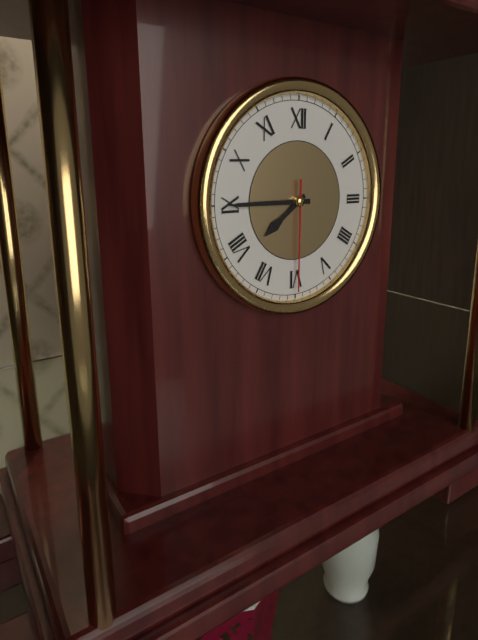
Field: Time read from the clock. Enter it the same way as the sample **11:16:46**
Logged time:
**7:45:30**
